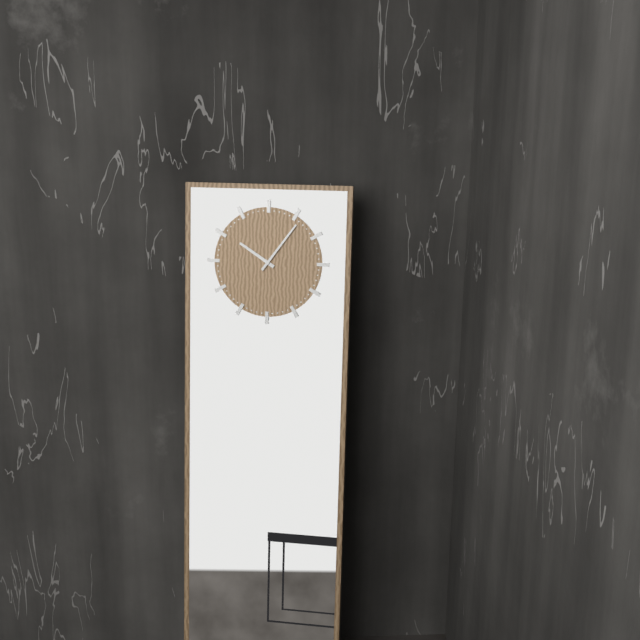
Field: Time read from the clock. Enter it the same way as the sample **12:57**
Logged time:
**10:06**
